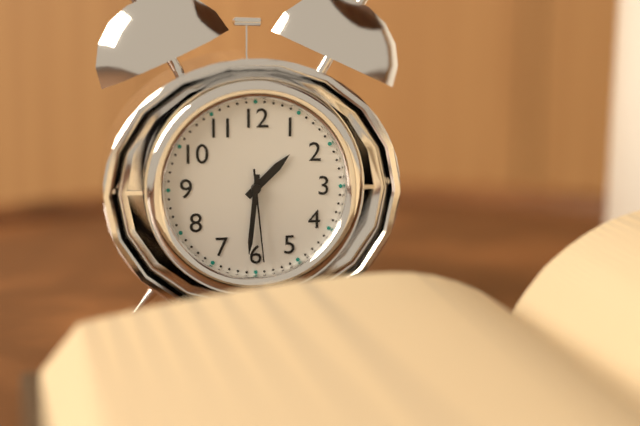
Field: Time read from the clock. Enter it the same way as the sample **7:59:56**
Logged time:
**1:31:29**
